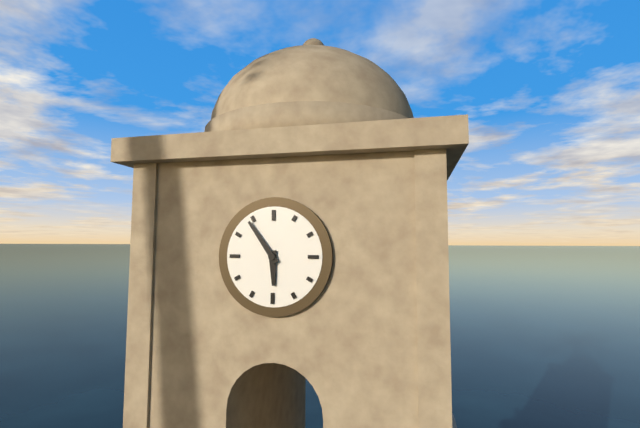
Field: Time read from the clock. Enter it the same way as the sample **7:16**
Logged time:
**5:54**
